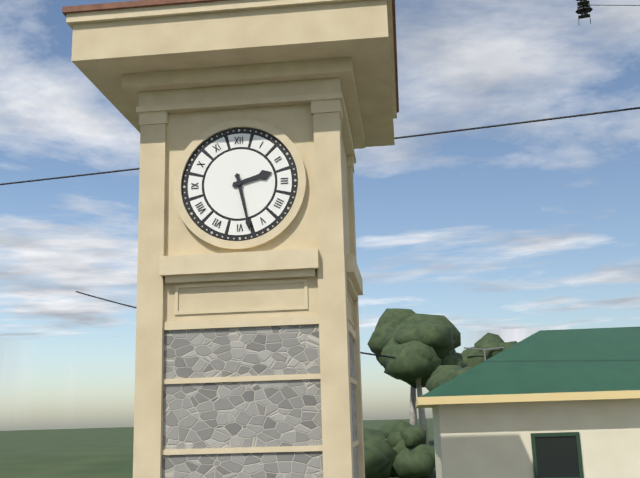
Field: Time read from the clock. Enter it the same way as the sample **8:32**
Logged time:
**2:28**
